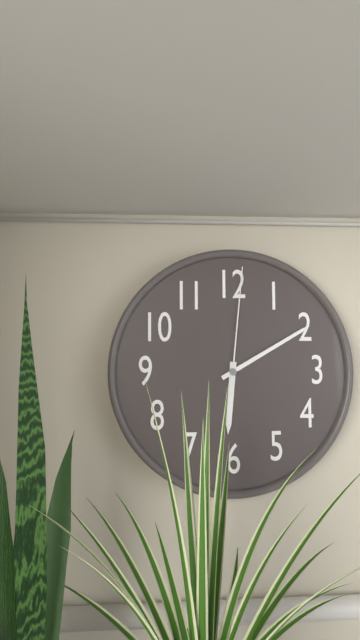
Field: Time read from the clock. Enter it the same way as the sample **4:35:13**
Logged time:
**6:10:01**
